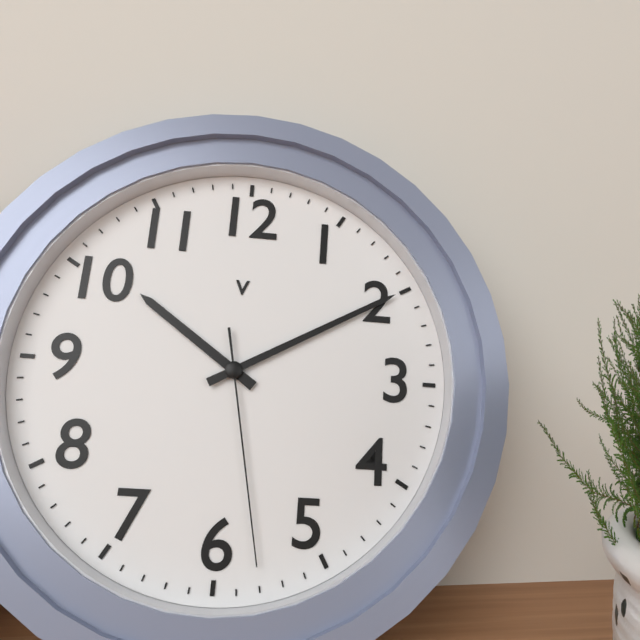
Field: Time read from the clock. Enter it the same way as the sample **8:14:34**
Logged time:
**10:10:28**
